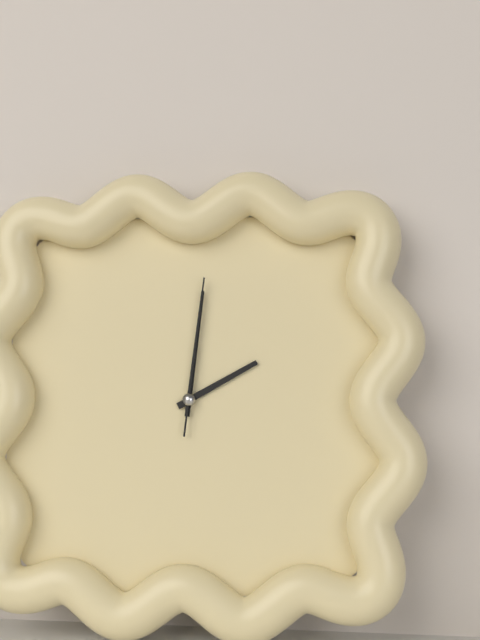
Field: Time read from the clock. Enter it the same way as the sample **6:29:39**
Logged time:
**2:01:01**
